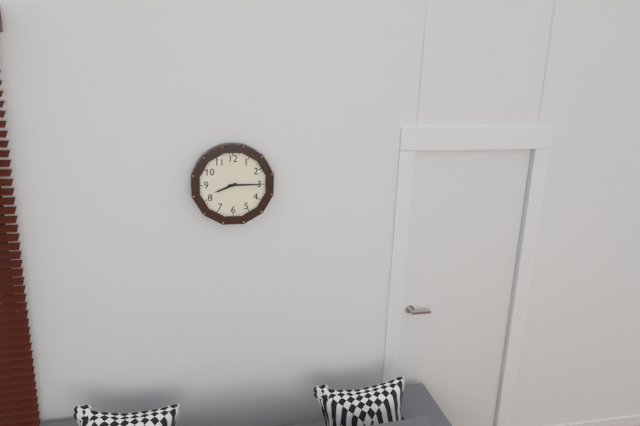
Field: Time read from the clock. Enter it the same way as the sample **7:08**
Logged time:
**8:15**
